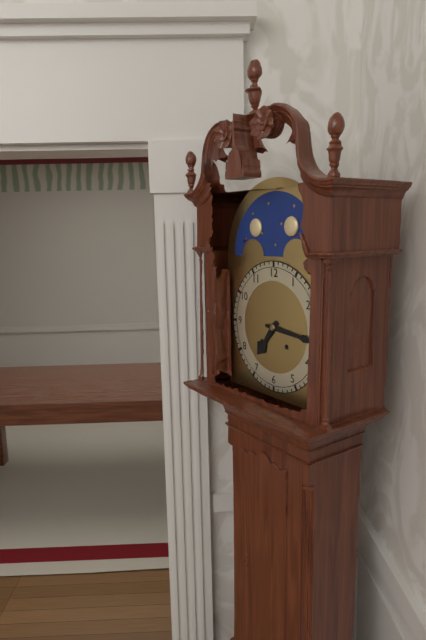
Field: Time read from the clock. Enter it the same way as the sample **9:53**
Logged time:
**7:16**
